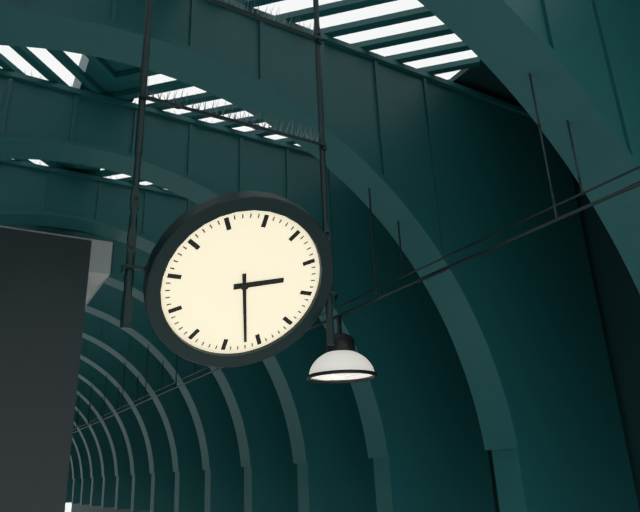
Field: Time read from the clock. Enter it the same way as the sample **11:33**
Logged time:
**2:27**
